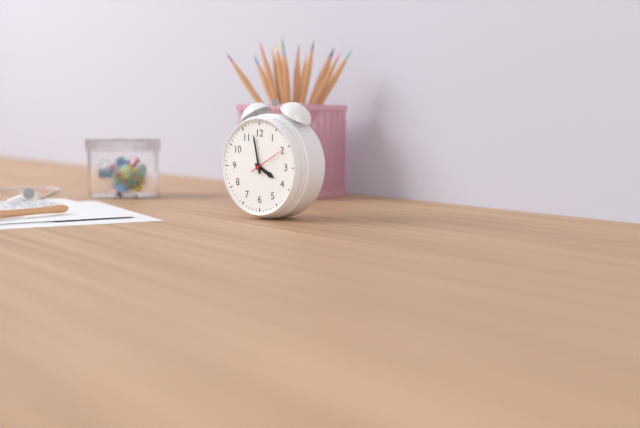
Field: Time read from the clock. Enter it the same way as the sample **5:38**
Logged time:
**3:58**
